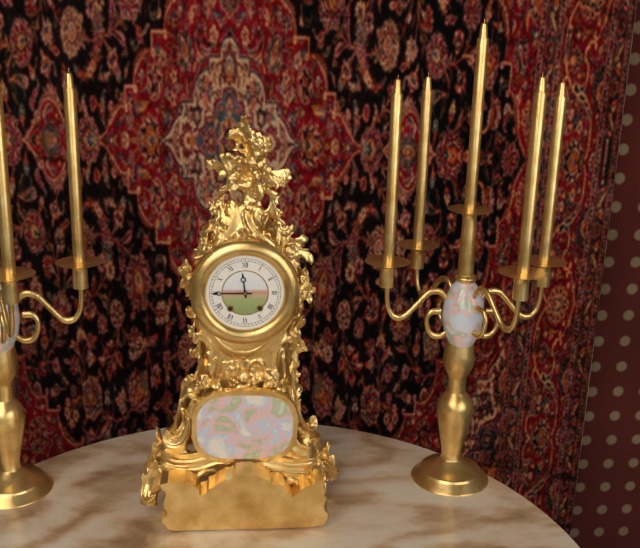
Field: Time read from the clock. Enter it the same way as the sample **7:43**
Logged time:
**11:45**
